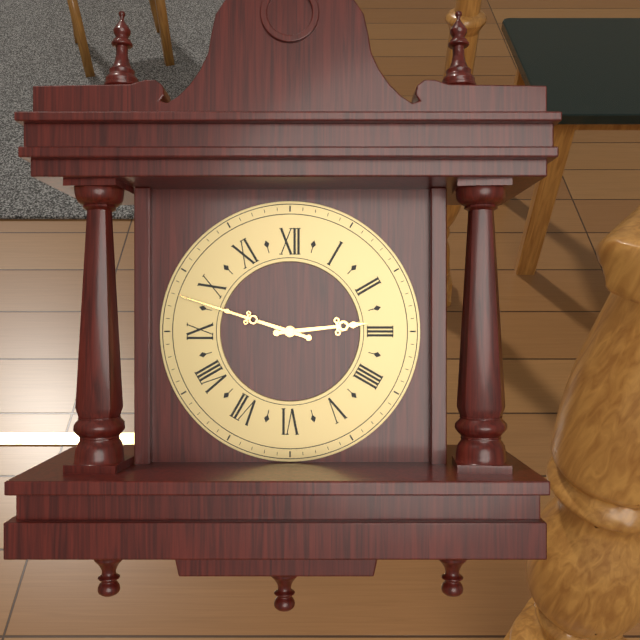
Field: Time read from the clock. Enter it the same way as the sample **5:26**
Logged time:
**2:48**
